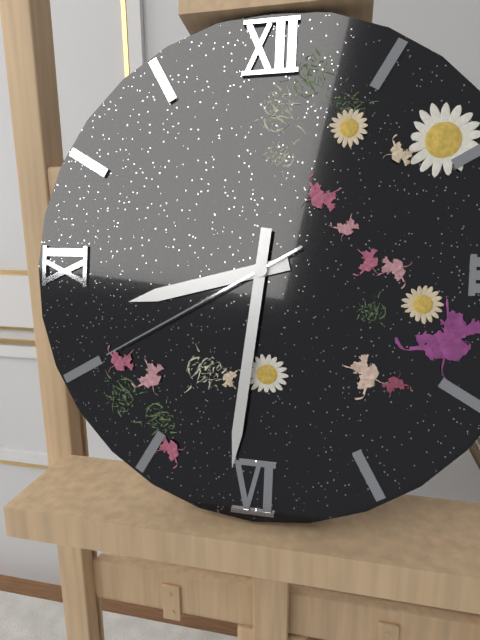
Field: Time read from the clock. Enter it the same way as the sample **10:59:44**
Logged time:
**8:31:40**
